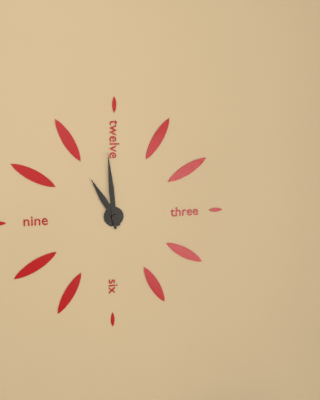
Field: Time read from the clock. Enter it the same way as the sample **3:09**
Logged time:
**10:59**
